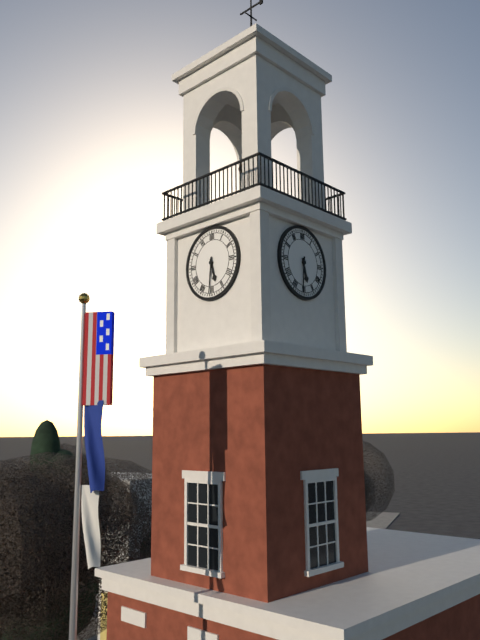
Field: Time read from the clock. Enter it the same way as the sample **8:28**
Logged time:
**5:31**
